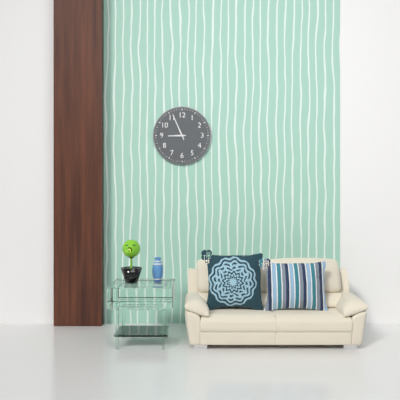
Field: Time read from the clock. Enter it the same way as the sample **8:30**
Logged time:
**8:56**
